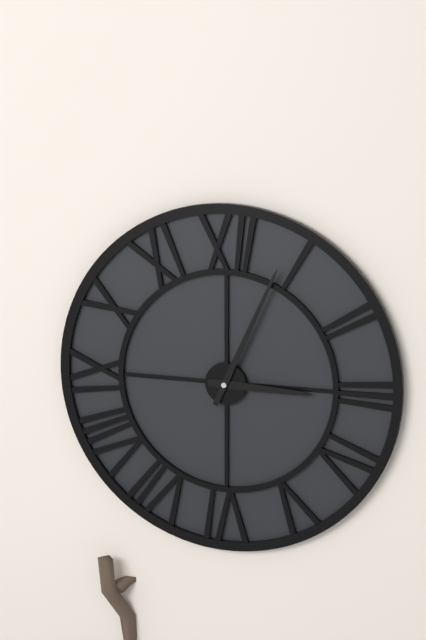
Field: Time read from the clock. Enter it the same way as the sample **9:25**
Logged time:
**3:04**
